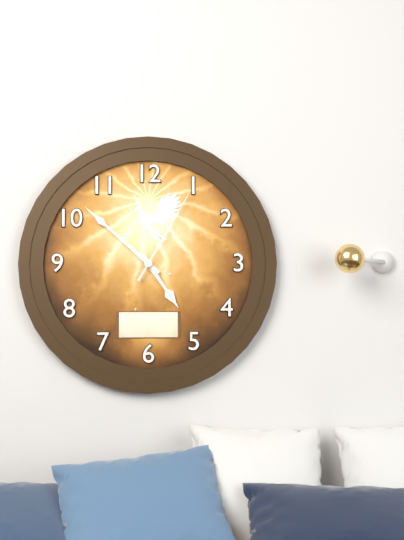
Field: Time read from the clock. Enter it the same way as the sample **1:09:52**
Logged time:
**4:52:05**
